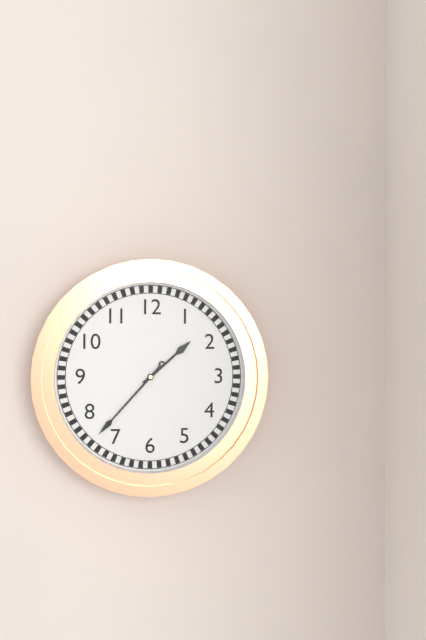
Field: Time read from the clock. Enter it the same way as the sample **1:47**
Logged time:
**1:37**
